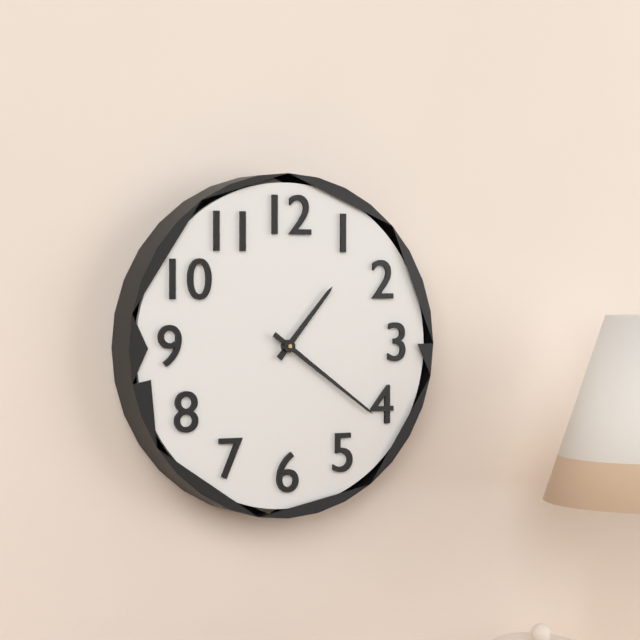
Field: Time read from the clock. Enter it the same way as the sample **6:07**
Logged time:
**1:21**
